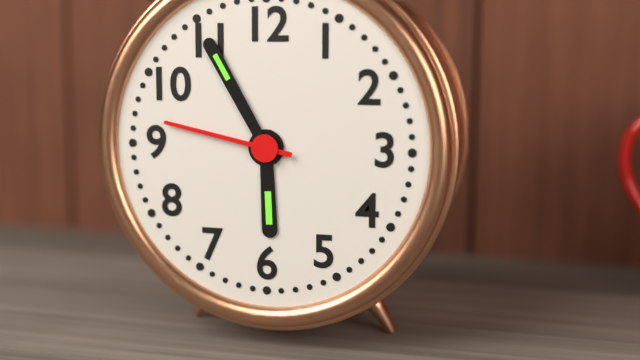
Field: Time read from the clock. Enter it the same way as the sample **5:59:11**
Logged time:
**5:55:47**
